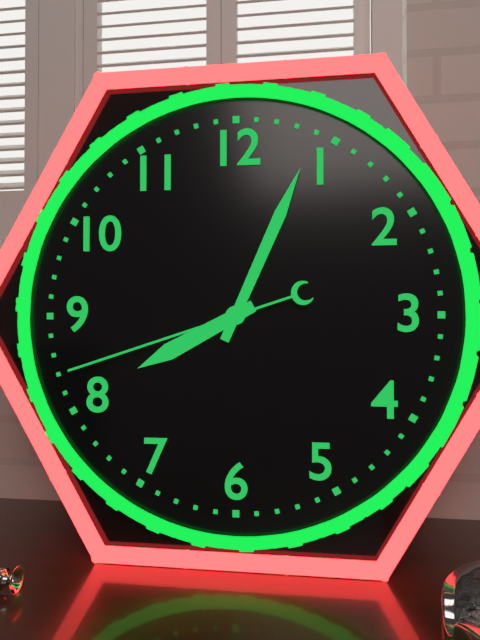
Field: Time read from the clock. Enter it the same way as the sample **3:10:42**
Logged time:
**8:04:42**
